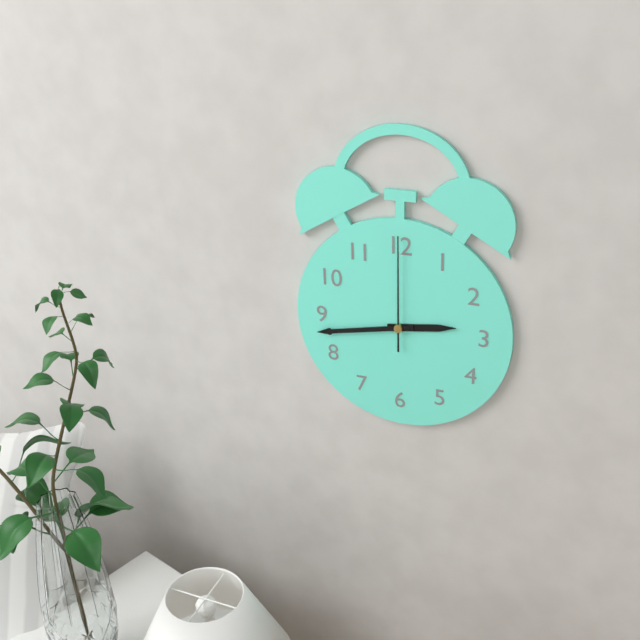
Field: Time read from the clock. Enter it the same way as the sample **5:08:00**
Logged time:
**2:43:00**
